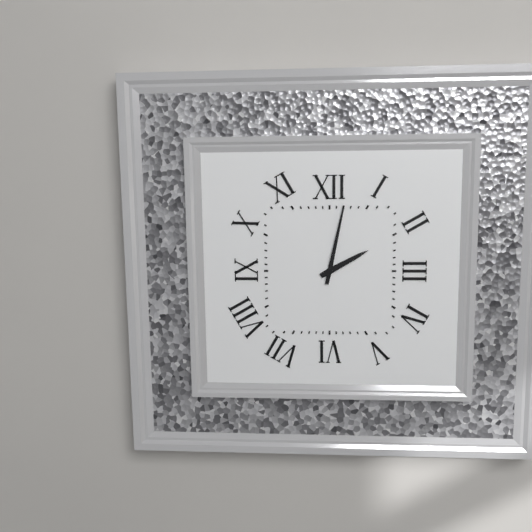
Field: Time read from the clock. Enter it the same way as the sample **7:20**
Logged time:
**2:02**
